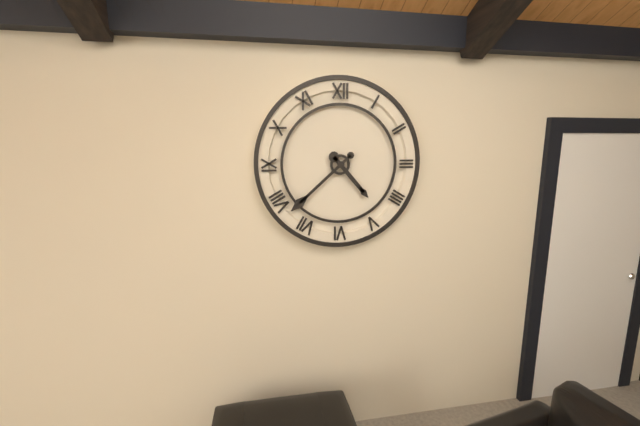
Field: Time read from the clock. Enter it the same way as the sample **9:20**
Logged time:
**4:38**
